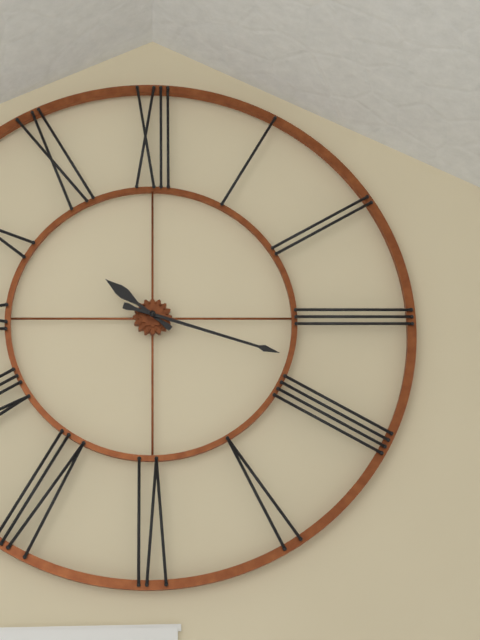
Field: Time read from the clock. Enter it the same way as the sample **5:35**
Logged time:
**10:18**
